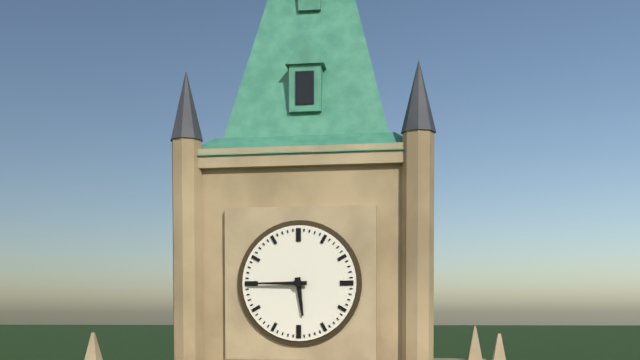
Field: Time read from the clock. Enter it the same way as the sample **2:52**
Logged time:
**5:45**
